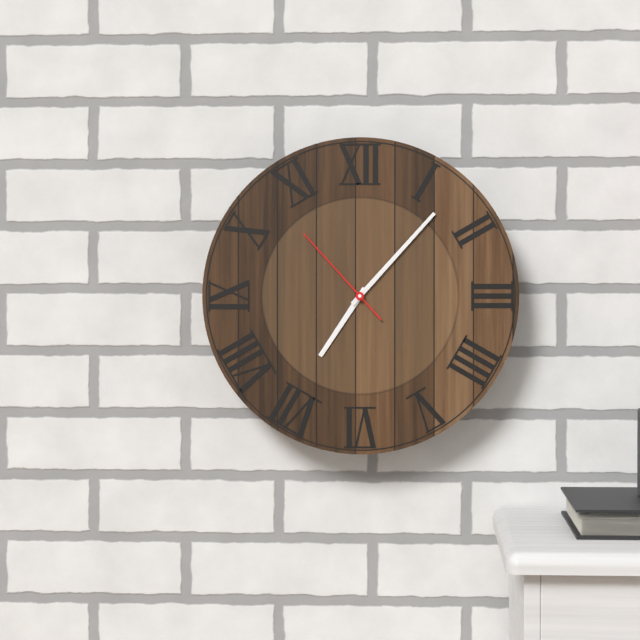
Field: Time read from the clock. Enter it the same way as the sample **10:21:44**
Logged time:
**7:07:53**
